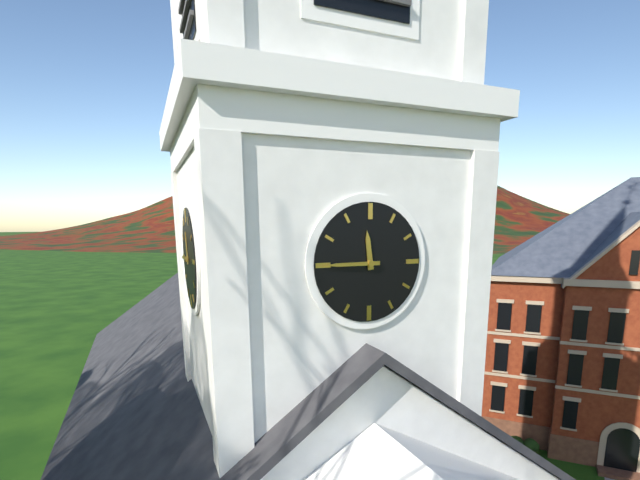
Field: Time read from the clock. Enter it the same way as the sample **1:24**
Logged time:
**11:45**
